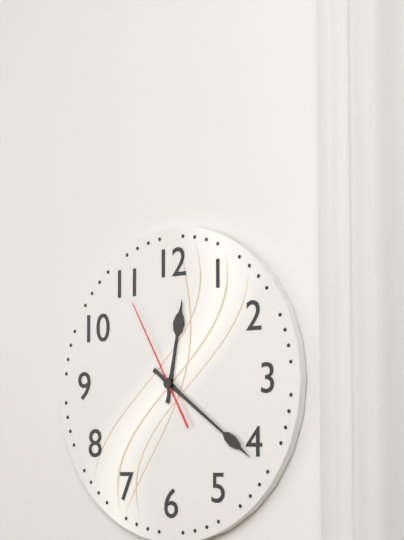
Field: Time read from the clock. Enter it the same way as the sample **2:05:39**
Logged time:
**12:21:55**
